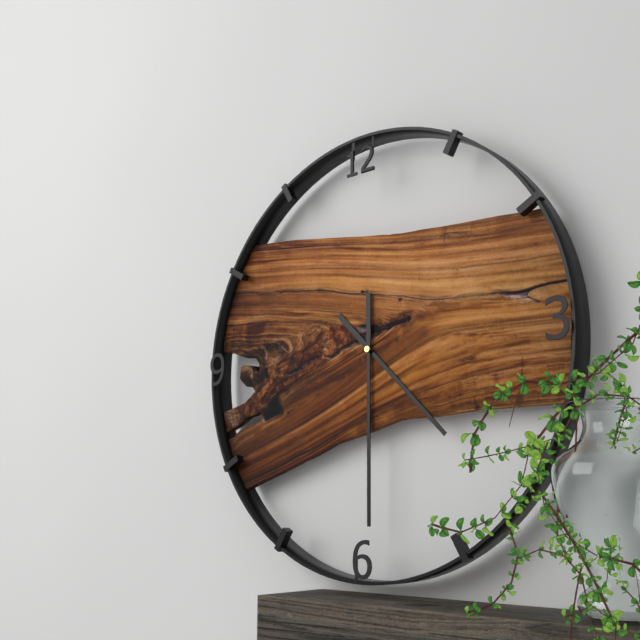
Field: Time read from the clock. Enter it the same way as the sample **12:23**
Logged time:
**4:30**
